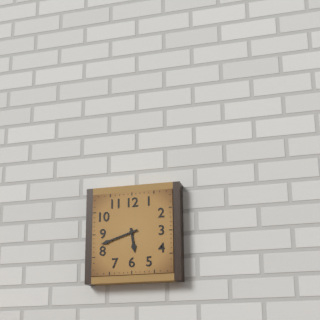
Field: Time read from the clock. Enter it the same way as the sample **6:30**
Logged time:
**5:42**
